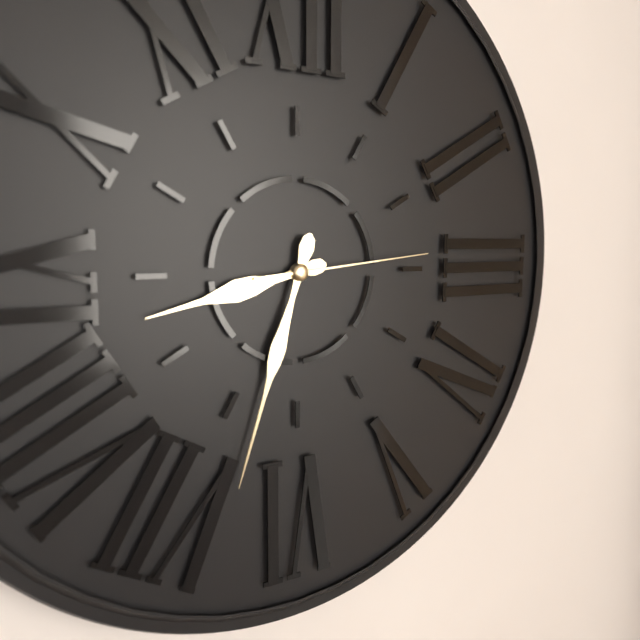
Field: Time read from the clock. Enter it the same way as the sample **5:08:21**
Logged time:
**8:33:14**
